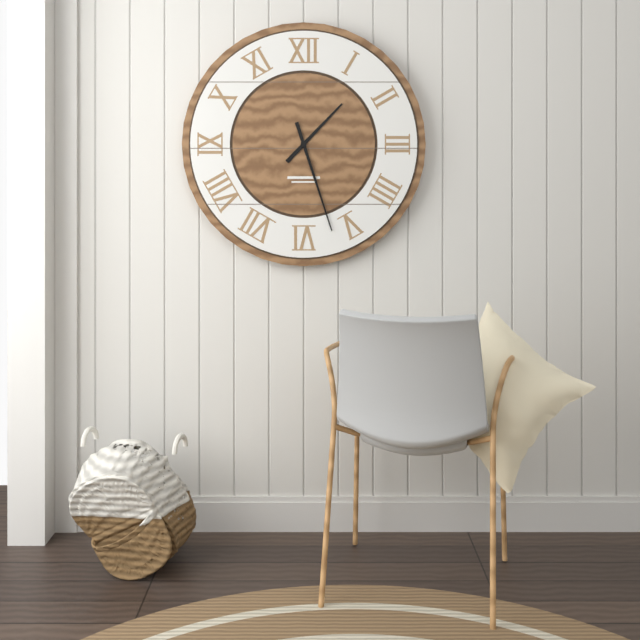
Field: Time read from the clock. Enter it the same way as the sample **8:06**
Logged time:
**1:27**
